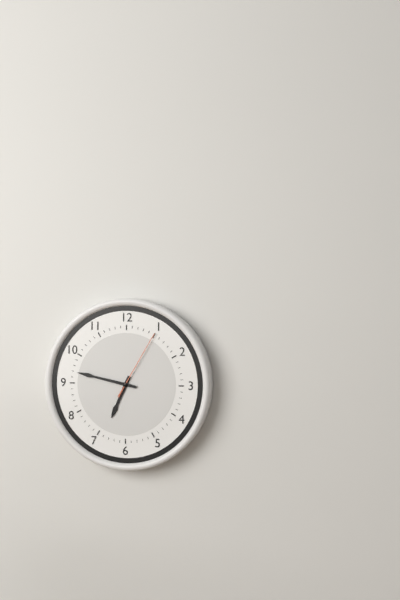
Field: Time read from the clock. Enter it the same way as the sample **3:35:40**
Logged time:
**6:47:05**
